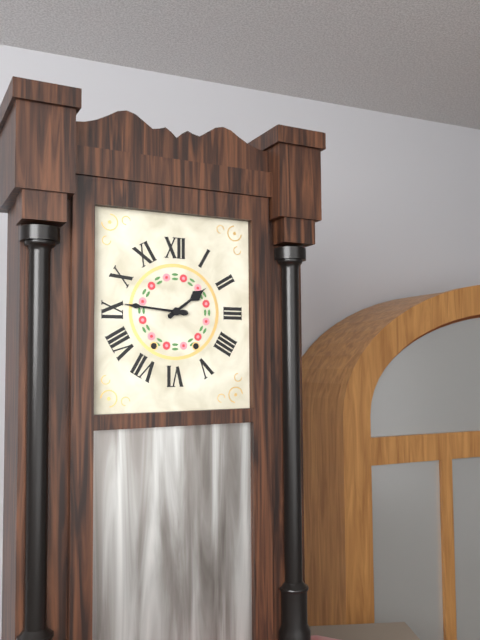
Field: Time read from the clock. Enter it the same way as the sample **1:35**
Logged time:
**1:46**
